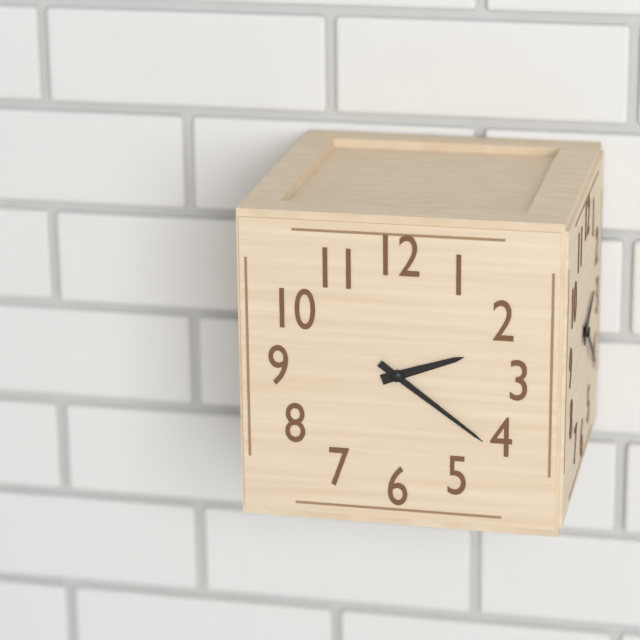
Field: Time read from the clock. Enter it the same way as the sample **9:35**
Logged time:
**2:21**
